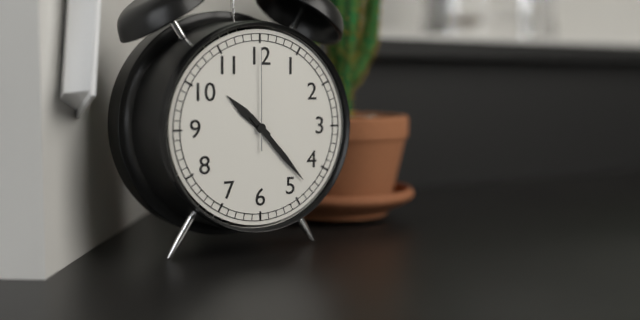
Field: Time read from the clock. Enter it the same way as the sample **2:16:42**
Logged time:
**10:23:00**
